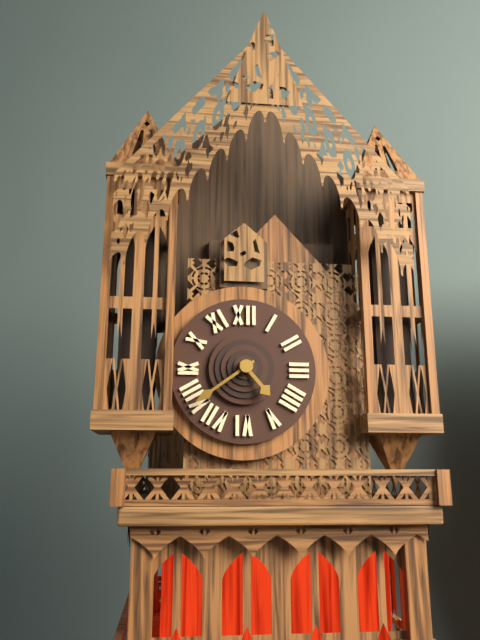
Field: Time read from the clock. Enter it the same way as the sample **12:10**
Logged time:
**4:39**
